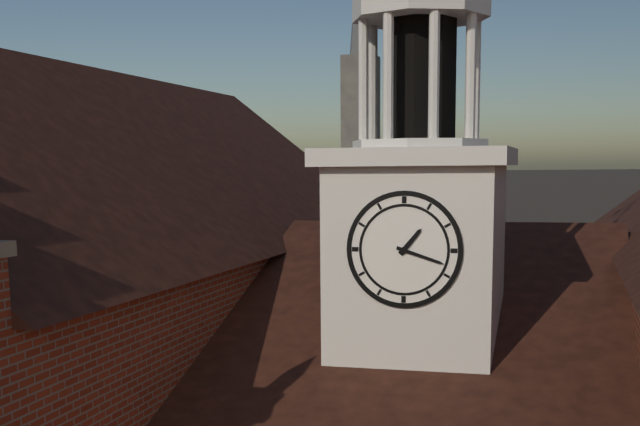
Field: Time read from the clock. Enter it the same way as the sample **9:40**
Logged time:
**1:18**
